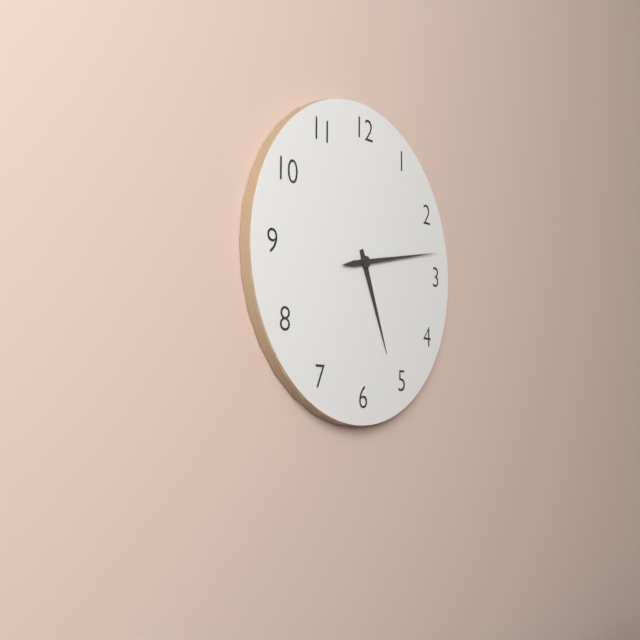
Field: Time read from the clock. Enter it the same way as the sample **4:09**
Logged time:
**5:13**
